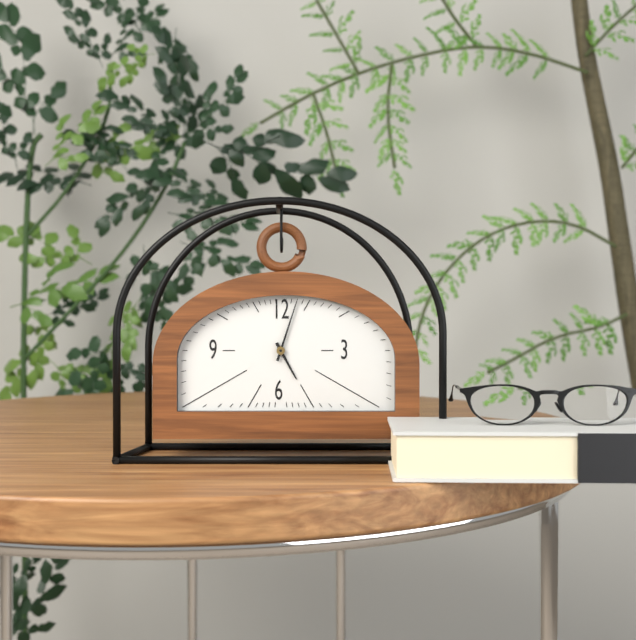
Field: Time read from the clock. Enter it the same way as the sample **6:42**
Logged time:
**5:03**
